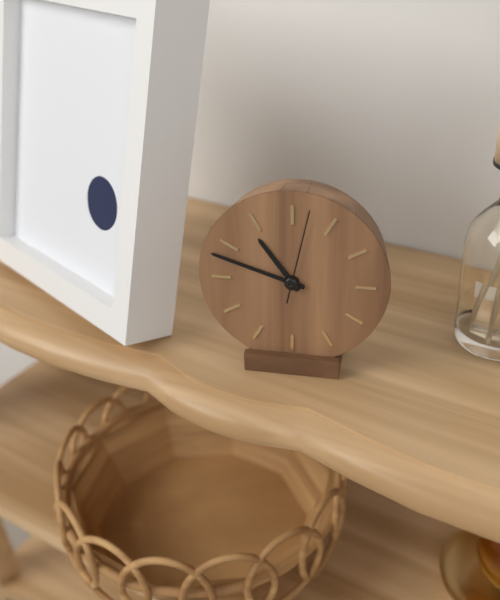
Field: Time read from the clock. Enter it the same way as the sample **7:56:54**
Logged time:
**10:48:02**
